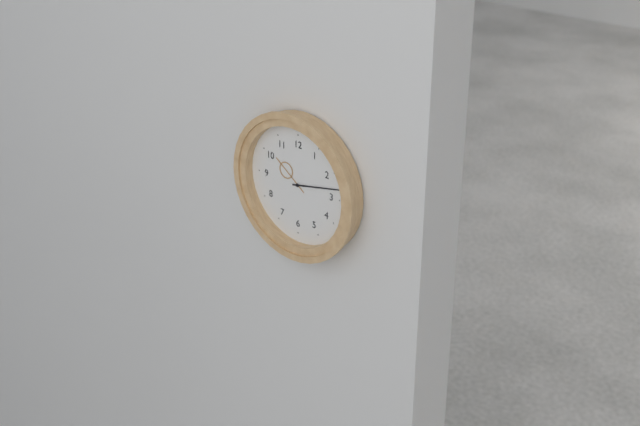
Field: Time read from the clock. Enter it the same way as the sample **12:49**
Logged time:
**10:13**
